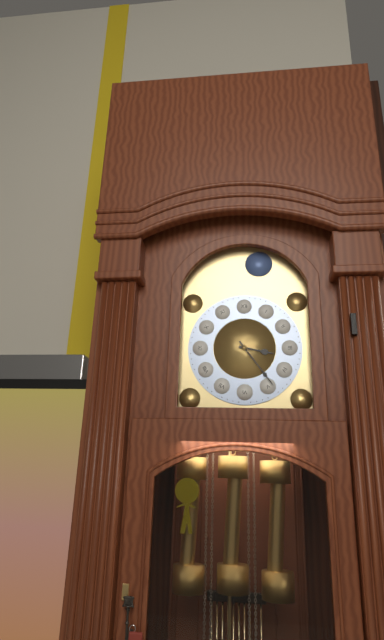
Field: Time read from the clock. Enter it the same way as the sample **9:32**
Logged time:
**3:24**
